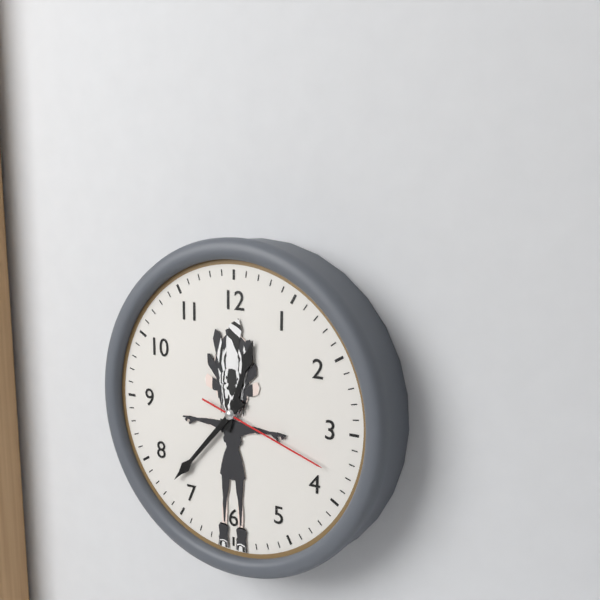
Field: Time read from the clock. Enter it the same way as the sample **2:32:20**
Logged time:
**12:37:18**
